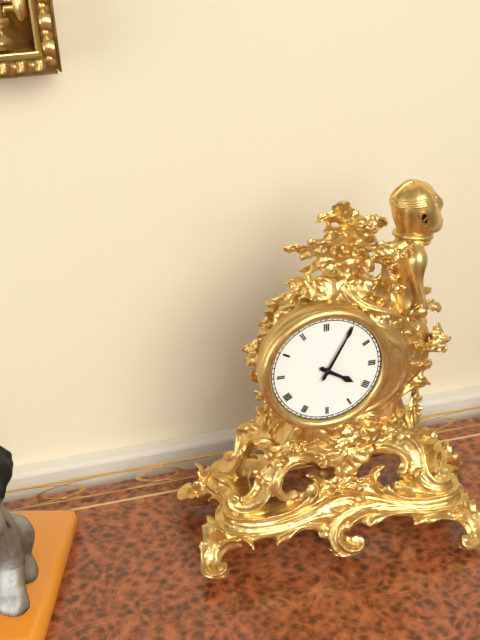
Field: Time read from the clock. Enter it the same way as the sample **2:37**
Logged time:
**4:05**
